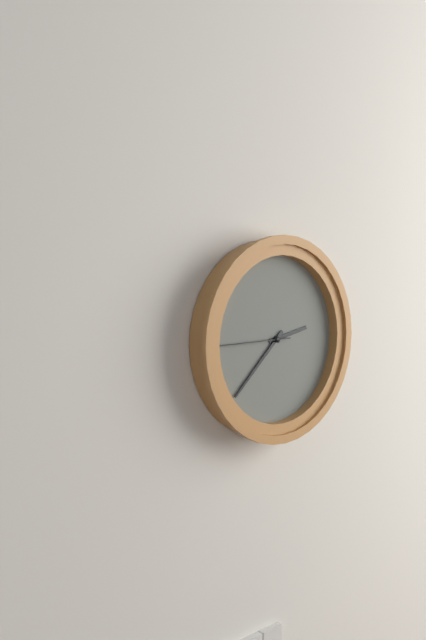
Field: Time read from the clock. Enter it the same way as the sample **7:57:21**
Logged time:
**2:38:45**
